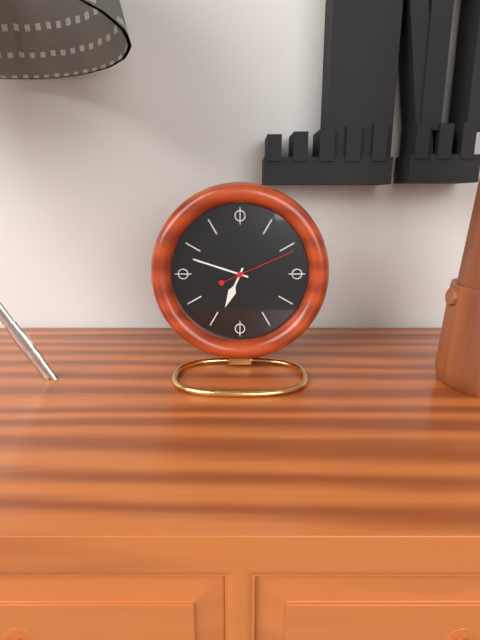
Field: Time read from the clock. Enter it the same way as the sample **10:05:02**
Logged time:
**6:48:11**
